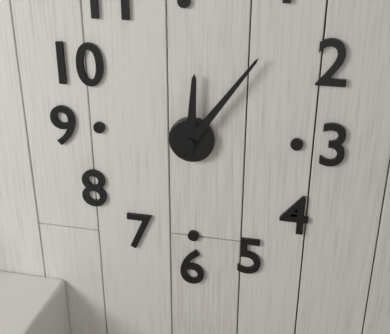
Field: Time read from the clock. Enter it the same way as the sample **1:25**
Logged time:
**12:06**
